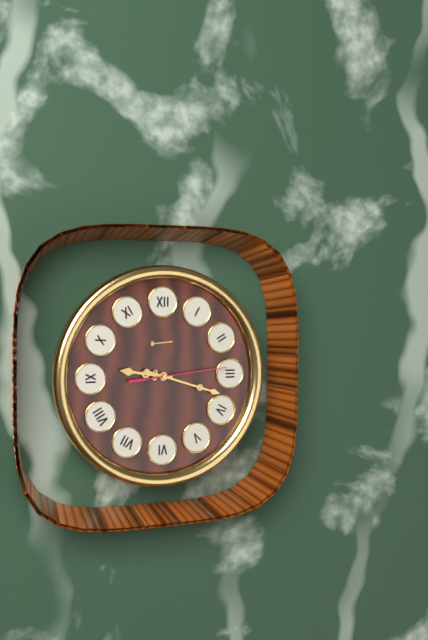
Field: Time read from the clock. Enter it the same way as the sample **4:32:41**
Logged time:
**9:18:14**
